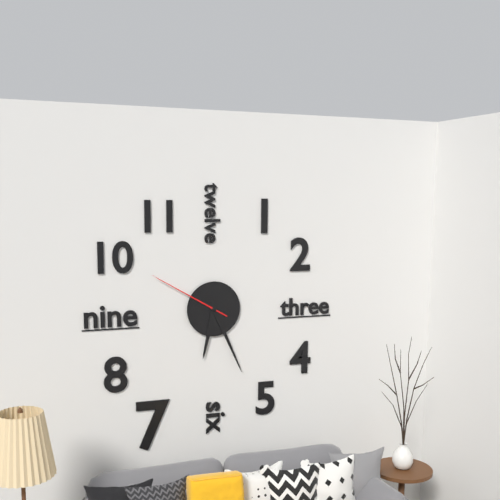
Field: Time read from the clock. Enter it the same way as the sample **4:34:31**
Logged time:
**6:26:50**
